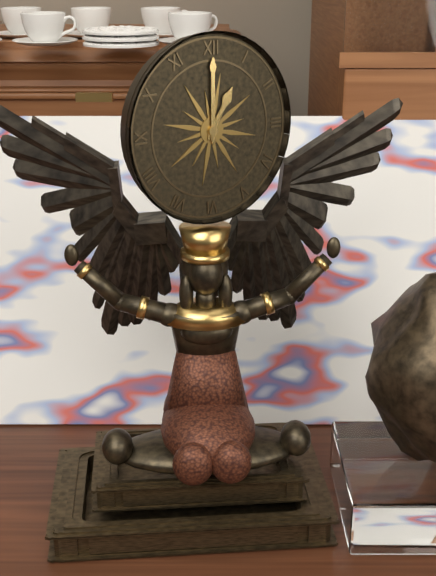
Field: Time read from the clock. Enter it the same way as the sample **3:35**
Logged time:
**1:00**
